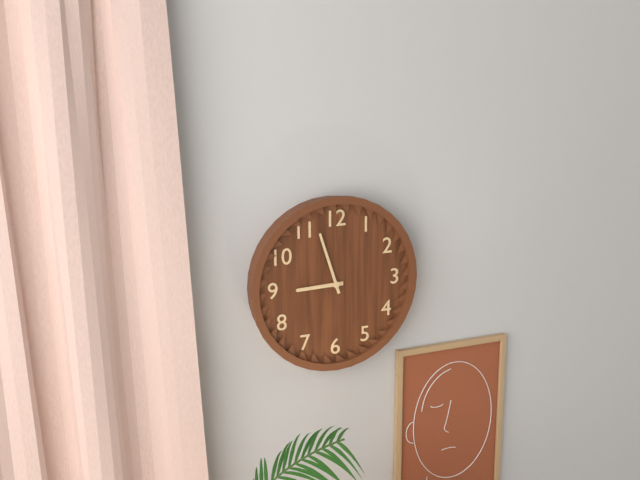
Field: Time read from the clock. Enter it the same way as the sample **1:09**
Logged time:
**8:57**
